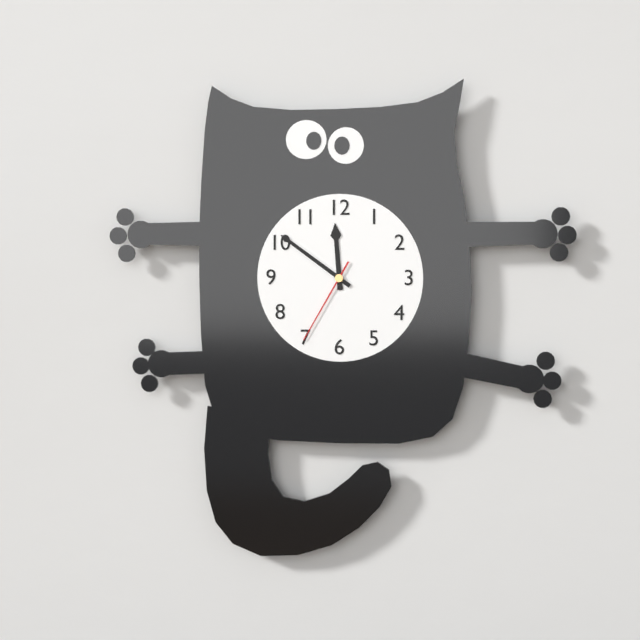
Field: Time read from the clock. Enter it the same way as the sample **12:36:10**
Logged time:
**11:51:35**
